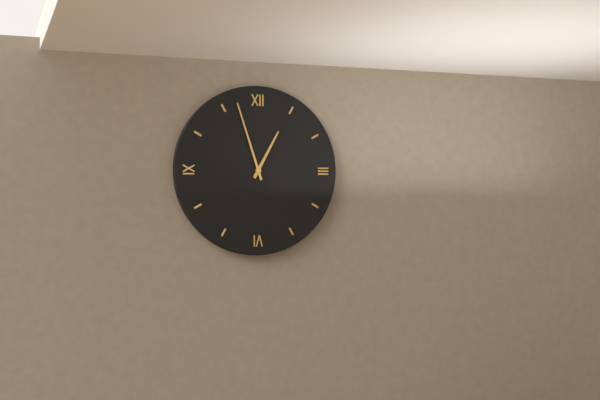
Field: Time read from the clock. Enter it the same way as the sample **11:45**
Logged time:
**12:57**
